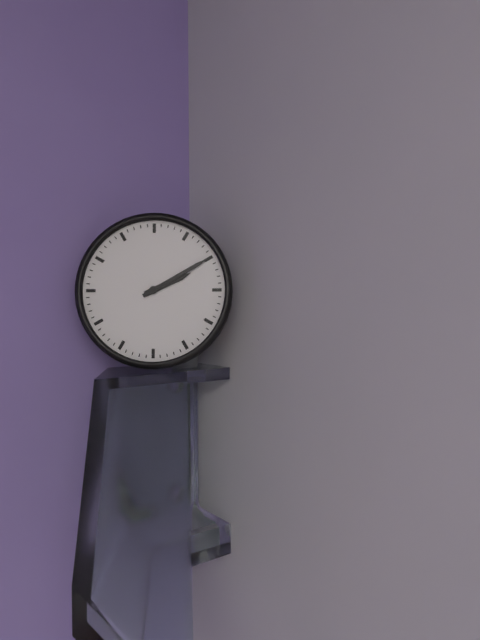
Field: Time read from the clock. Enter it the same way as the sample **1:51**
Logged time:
**2:10**
